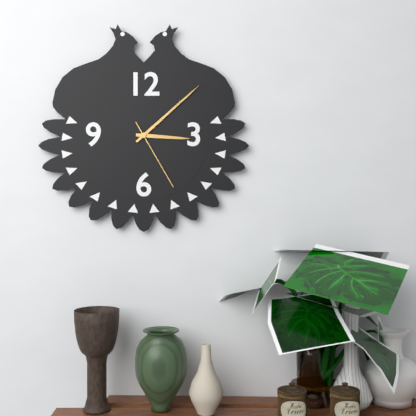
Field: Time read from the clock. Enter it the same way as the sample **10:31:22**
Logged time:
**3:08:25**
